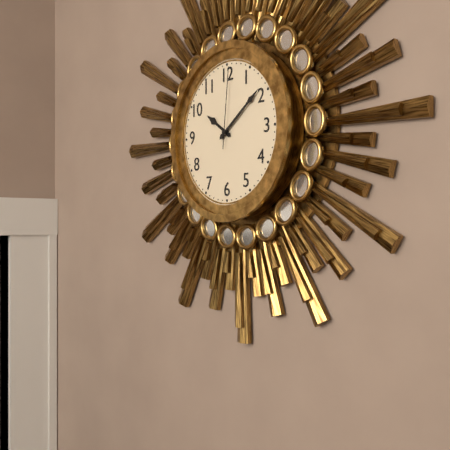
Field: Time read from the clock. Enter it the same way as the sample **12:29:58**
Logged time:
**10:09:01**
